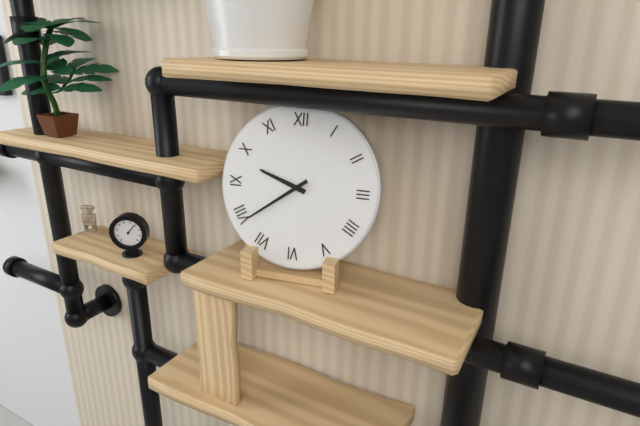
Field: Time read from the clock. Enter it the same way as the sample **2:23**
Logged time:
**9:39**
